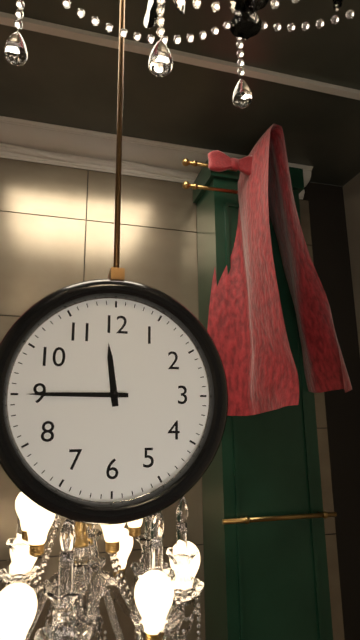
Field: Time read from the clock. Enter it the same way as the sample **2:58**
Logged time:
**11:45**
